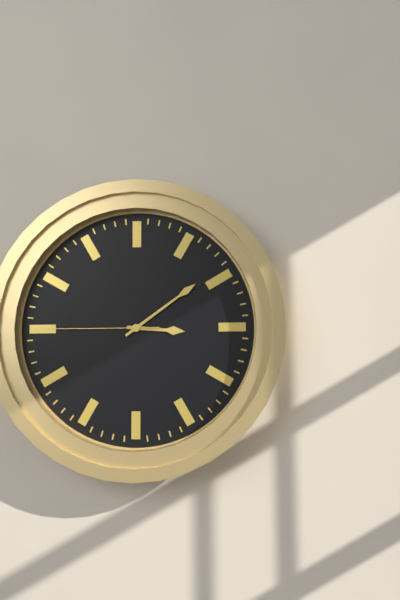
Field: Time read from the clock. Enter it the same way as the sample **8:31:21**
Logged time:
**3:09:45**
